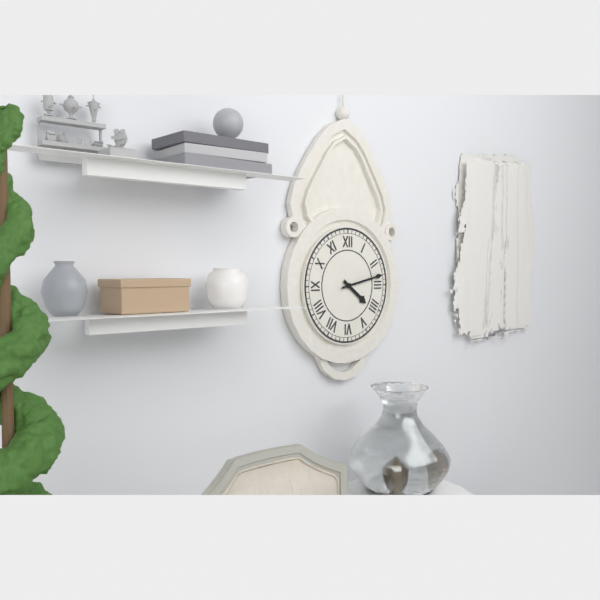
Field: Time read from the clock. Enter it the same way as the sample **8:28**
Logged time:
**4:13**
